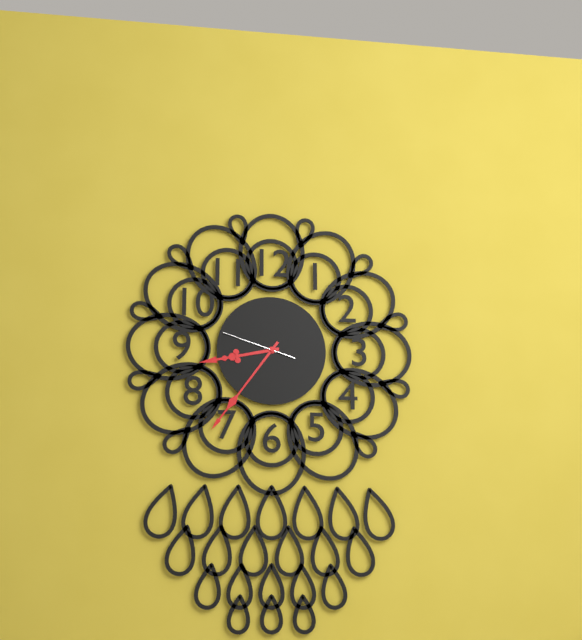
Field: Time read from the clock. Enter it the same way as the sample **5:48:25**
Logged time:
**8:36:48**
